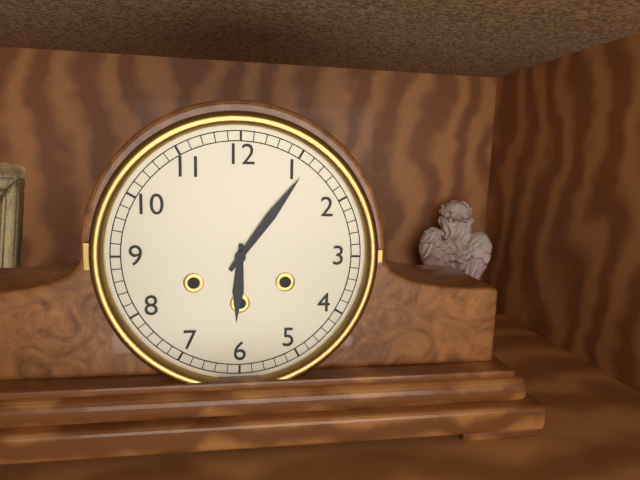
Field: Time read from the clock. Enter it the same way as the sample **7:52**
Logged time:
**6:06**
